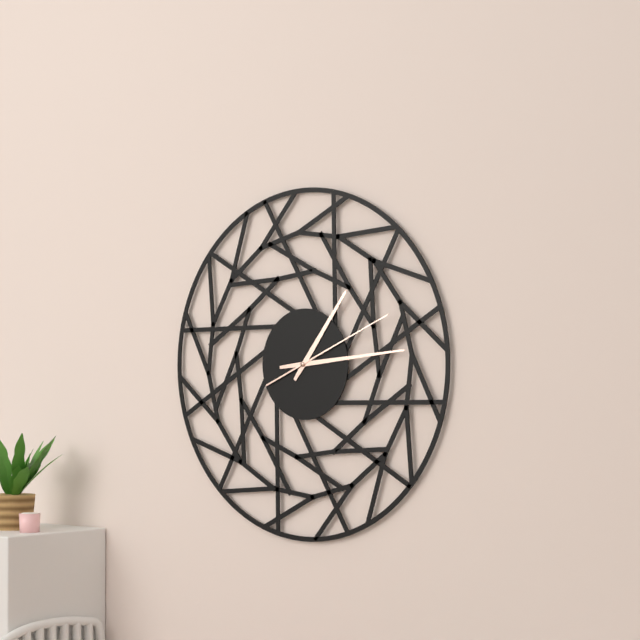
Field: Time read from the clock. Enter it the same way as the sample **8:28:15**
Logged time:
**1:14:11**
